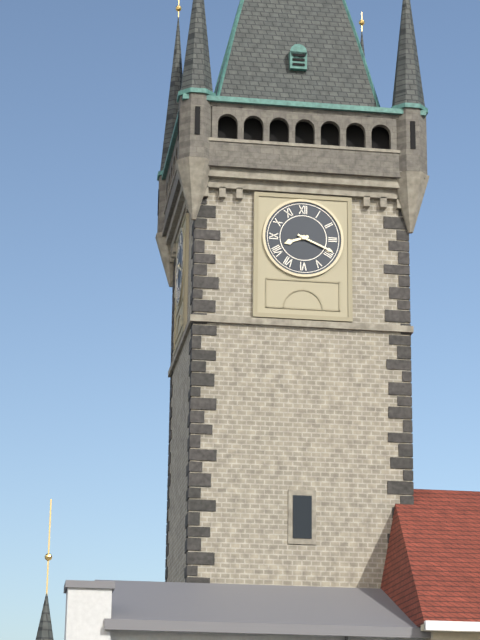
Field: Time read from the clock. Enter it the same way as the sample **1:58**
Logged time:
**8:19**
